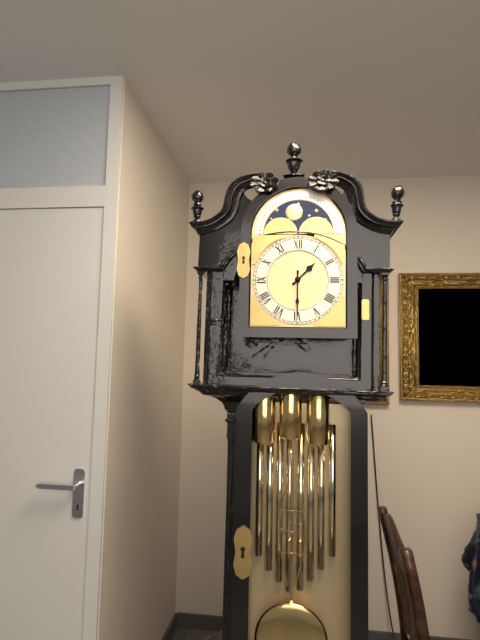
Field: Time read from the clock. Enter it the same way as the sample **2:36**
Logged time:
**1:30**
